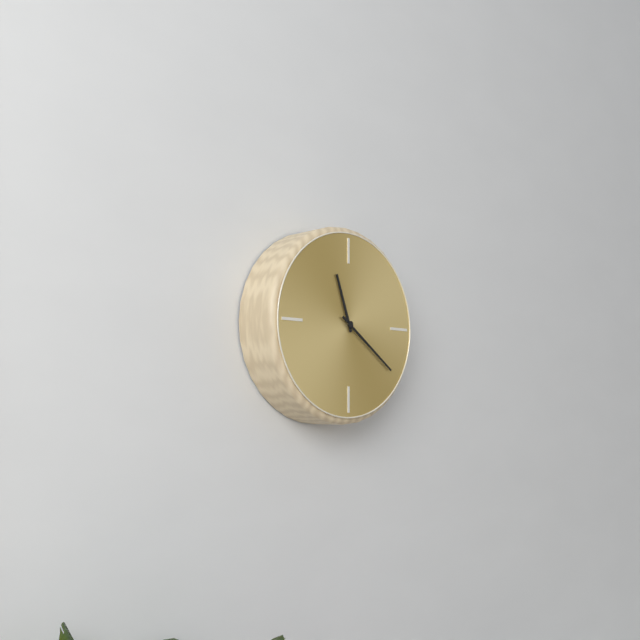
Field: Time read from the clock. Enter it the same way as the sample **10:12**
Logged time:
**11:21**
